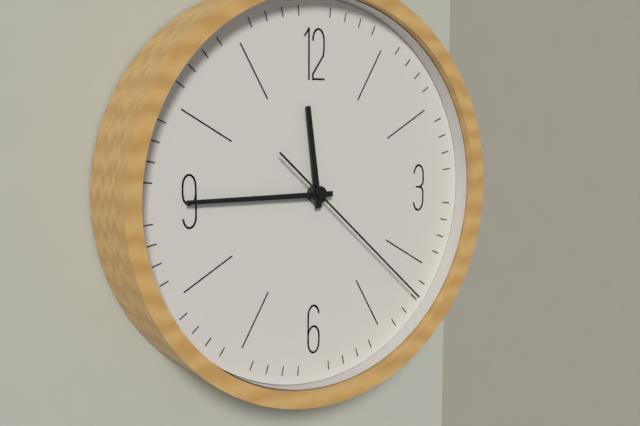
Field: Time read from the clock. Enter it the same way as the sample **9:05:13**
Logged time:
**11:45:22**
